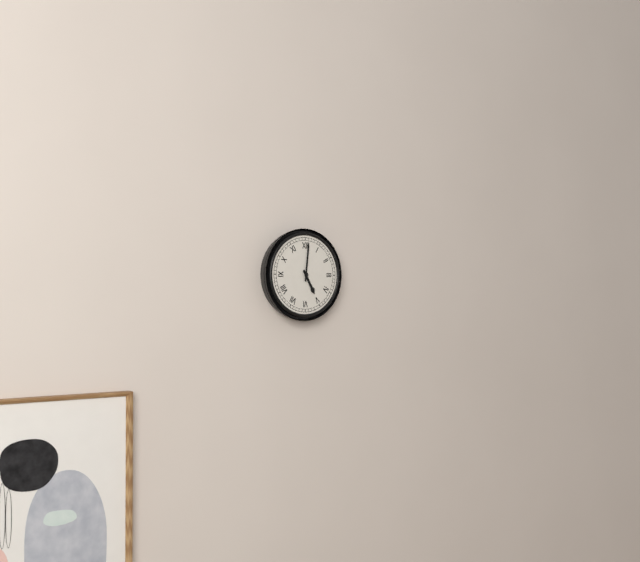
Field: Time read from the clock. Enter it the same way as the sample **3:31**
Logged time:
**5:01**
